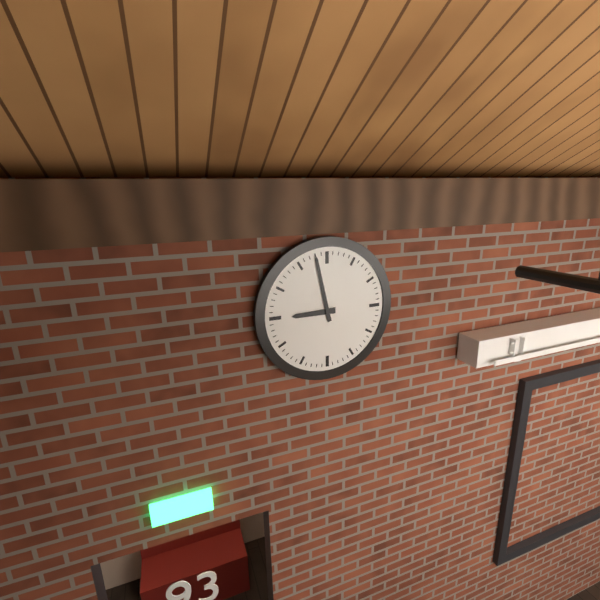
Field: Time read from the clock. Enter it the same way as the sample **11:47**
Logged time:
**8:58**
